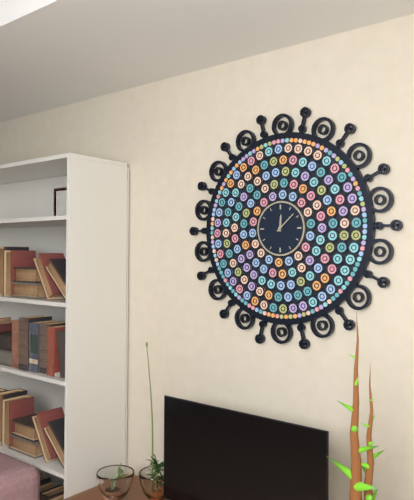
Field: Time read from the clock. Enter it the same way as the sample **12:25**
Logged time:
**12:08**
